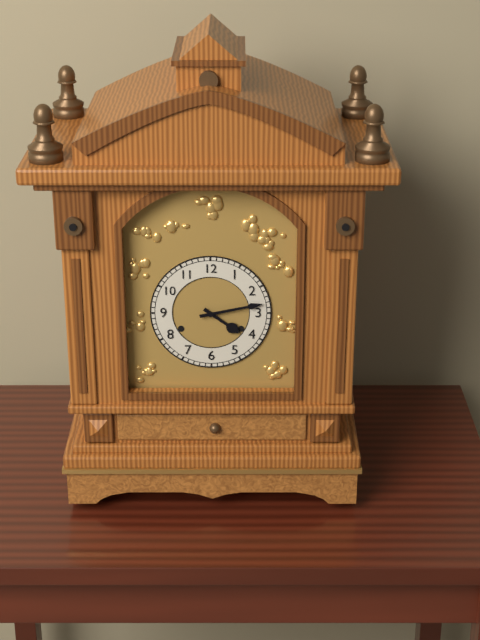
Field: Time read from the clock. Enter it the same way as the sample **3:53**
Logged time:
**4:13**
